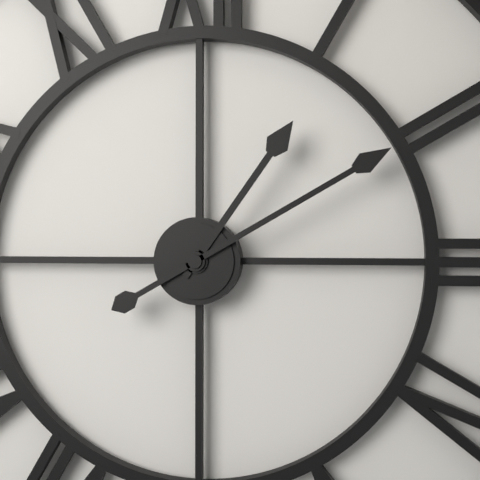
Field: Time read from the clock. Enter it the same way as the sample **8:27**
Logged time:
**1:10**
